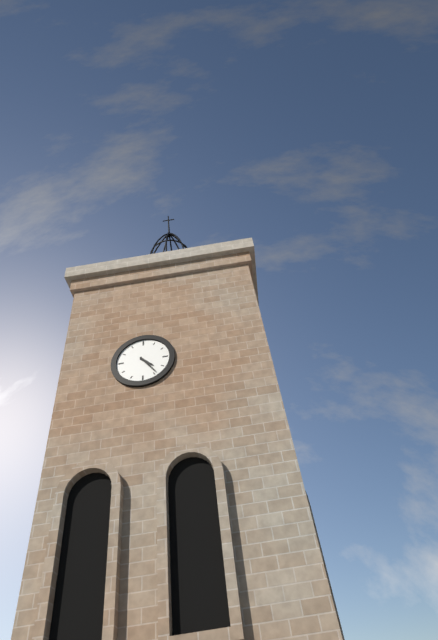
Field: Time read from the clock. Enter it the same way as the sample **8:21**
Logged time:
**4:24**
